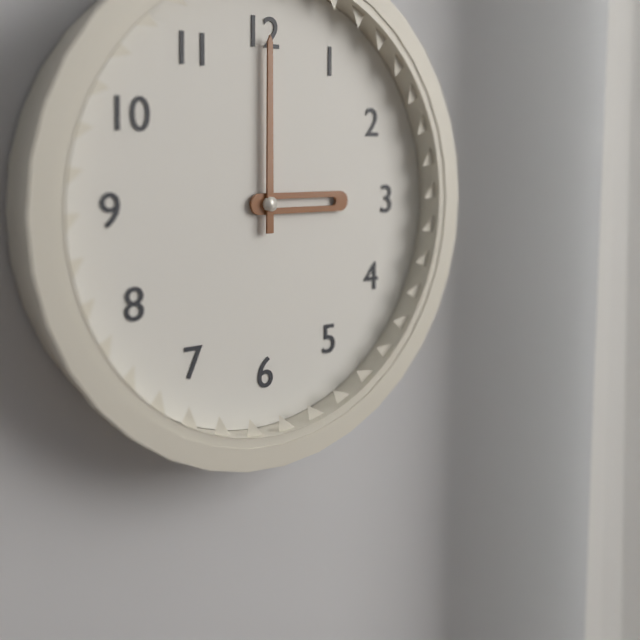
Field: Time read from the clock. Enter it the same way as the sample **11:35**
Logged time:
**3:00**
